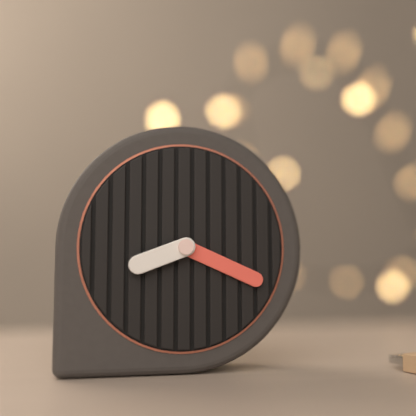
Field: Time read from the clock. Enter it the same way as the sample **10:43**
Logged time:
**8:19**
